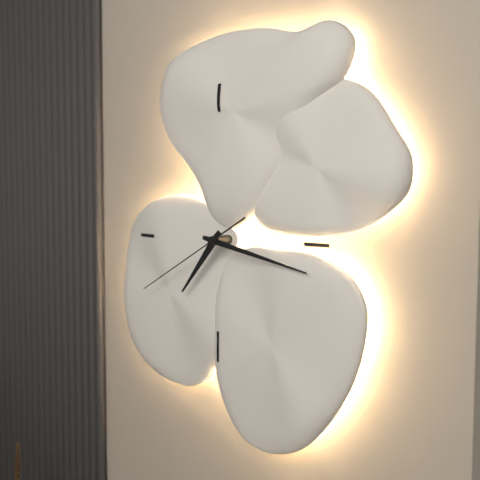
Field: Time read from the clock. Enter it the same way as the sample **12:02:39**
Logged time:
**7:17:40**
